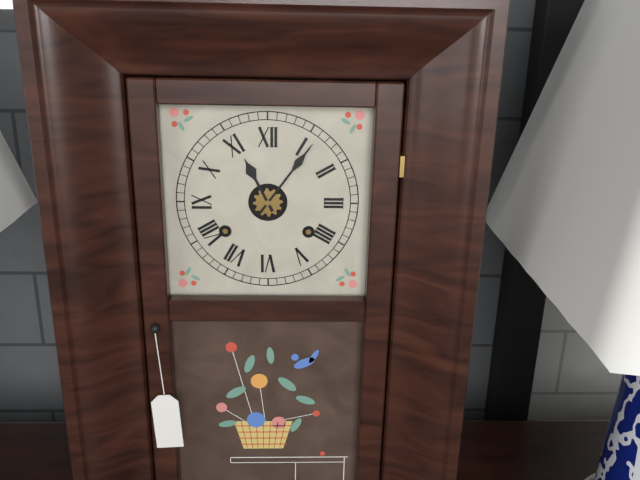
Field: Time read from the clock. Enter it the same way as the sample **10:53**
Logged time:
**11:06**
